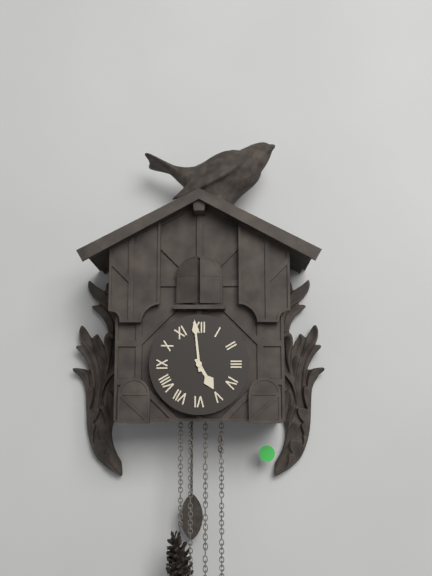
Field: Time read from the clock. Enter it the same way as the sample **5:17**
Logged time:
**4:59**
